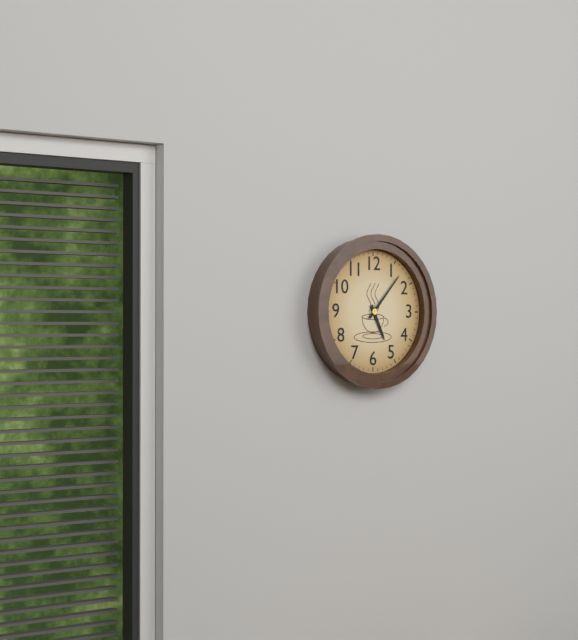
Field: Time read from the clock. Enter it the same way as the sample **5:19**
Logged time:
**5:07**
